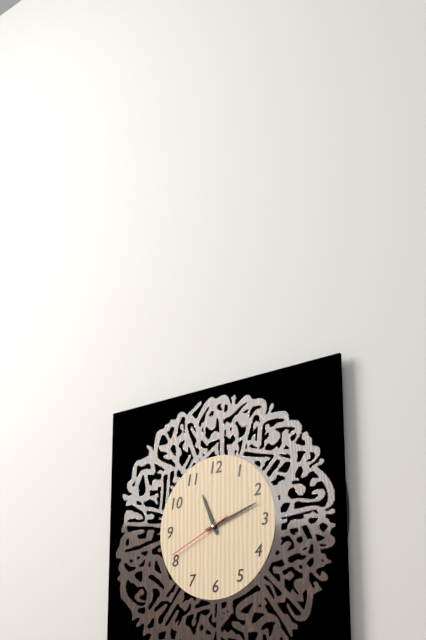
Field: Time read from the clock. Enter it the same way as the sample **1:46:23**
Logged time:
**11:12:41**
